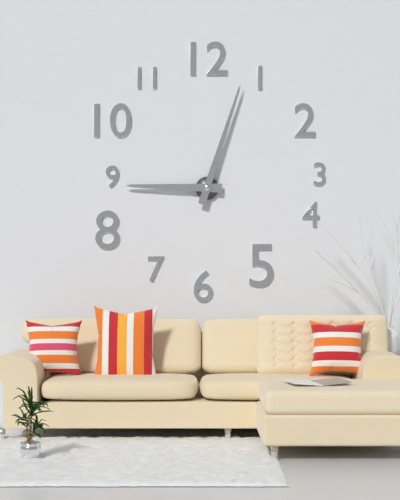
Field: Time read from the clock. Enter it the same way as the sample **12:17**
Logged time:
**9:03**
